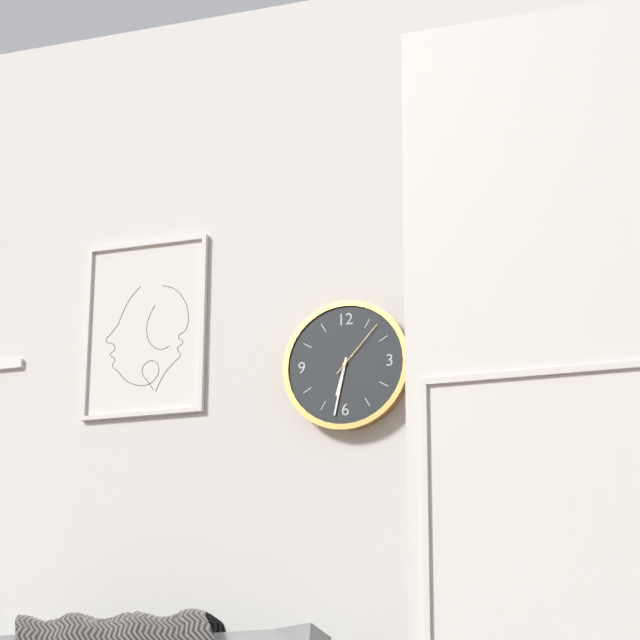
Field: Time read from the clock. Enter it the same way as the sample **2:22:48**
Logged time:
**6:32:07**
